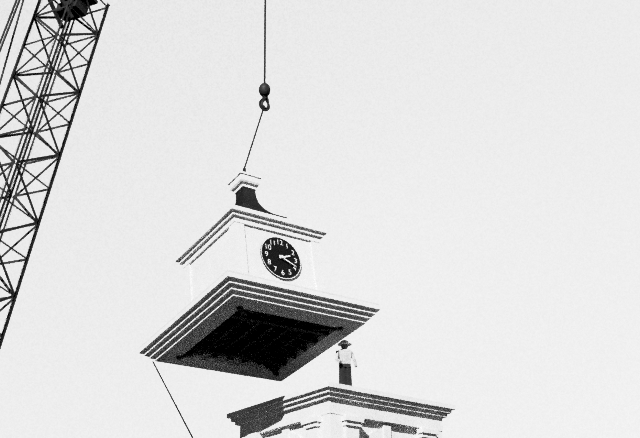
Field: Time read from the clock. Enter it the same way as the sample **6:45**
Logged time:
**2:19**
